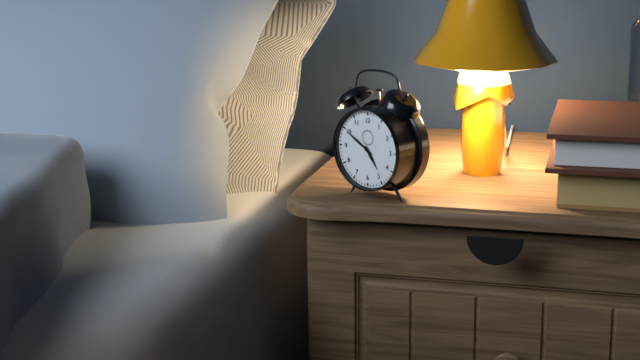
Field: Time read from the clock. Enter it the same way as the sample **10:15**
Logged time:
**4:50**
